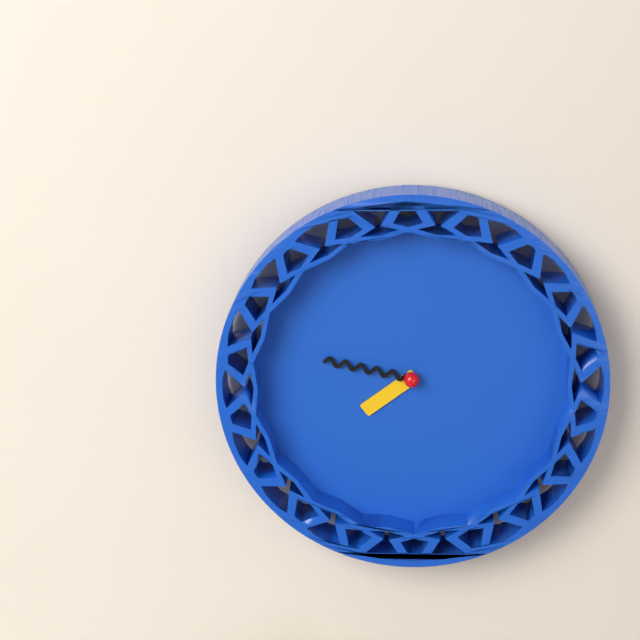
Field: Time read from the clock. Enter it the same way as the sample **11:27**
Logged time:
**7:47**
